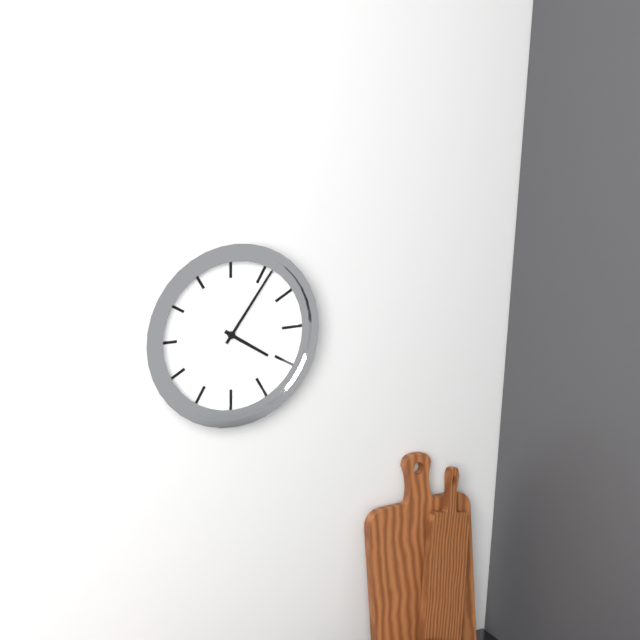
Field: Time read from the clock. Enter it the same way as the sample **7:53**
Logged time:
**4:06**
